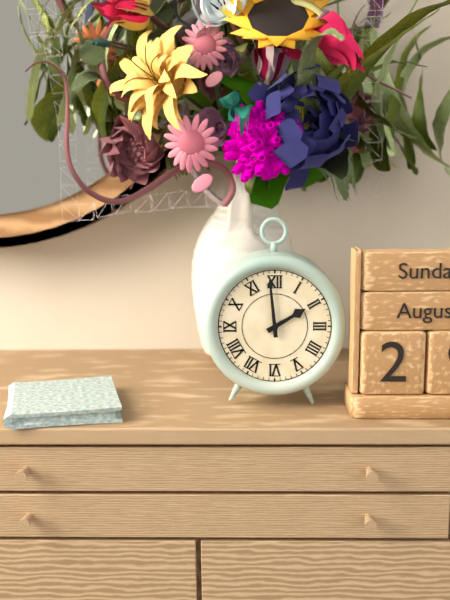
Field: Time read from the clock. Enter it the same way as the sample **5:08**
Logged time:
**1:59**
